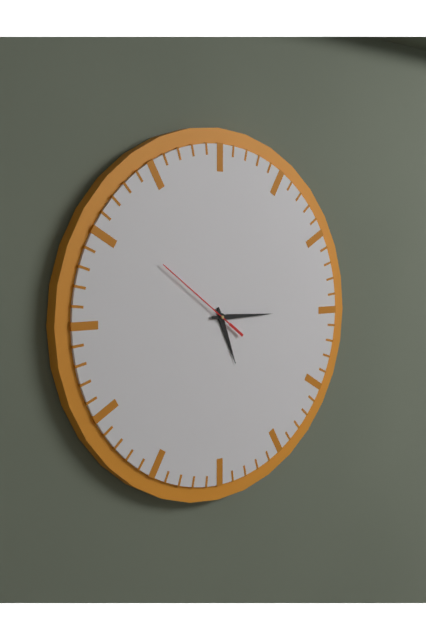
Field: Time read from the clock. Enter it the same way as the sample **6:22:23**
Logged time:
**5:15:51**
